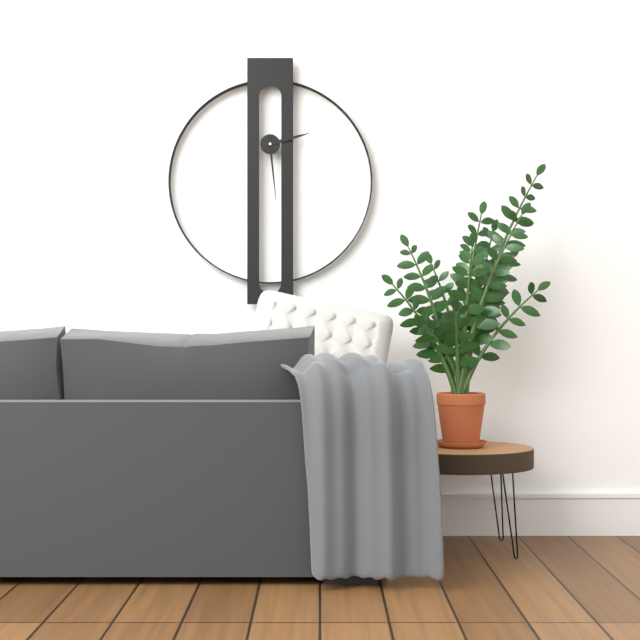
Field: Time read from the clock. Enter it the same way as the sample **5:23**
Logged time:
**2:29**
